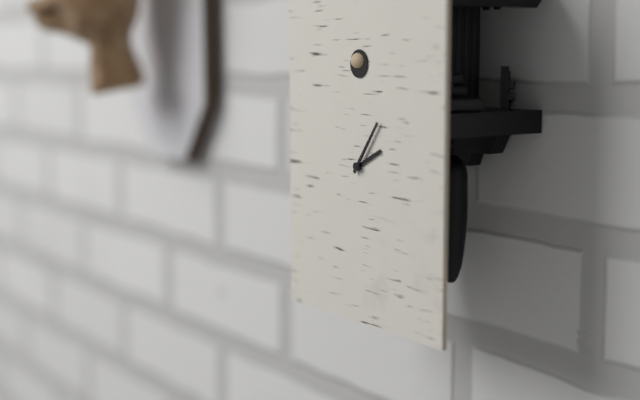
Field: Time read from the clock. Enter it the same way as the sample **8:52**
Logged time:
**2:06**
